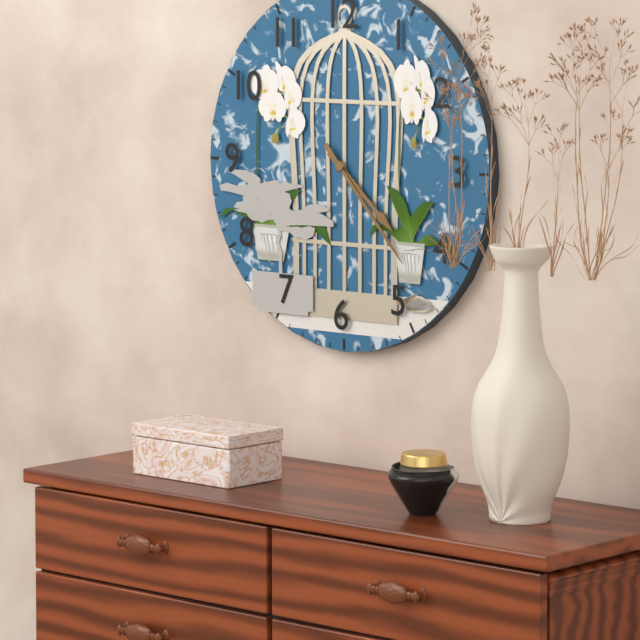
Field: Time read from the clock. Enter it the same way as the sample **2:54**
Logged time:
**4:23**
